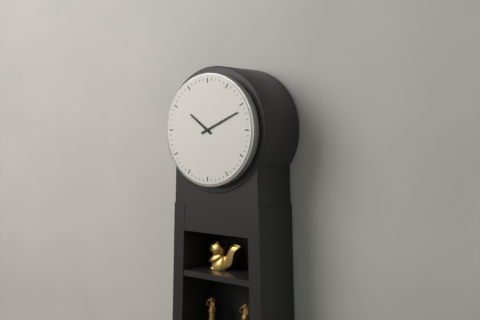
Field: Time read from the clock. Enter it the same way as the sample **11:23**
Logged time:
**10:11**
